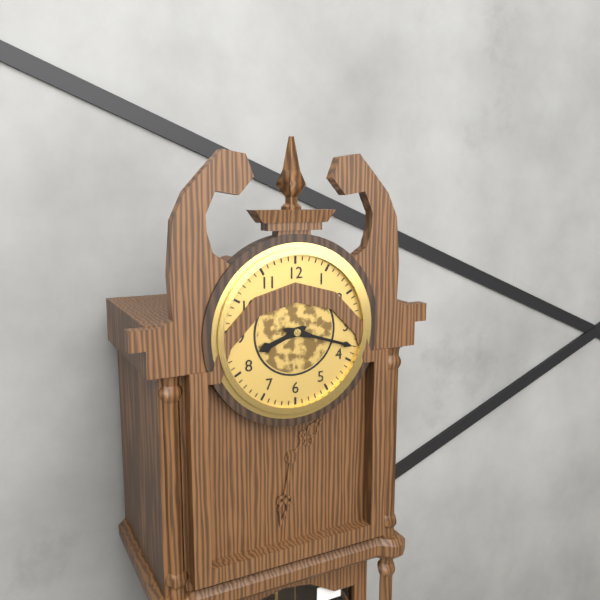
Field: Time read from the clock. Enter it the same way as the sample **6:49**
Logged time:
**8:18**
